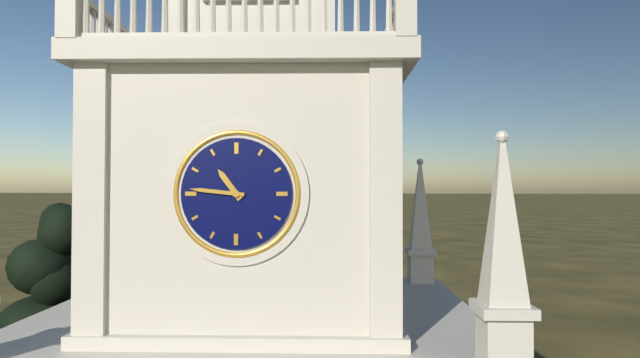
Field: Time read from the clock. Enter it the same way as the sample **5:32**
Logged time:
**10:46**
